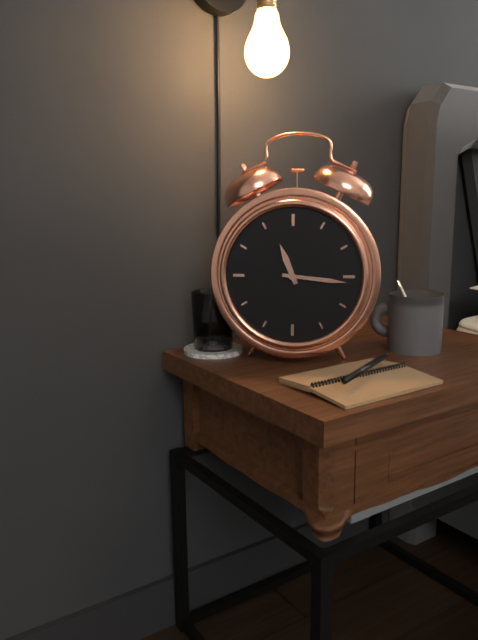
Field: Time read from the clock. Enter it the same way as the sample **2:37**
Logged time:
**11:16**
